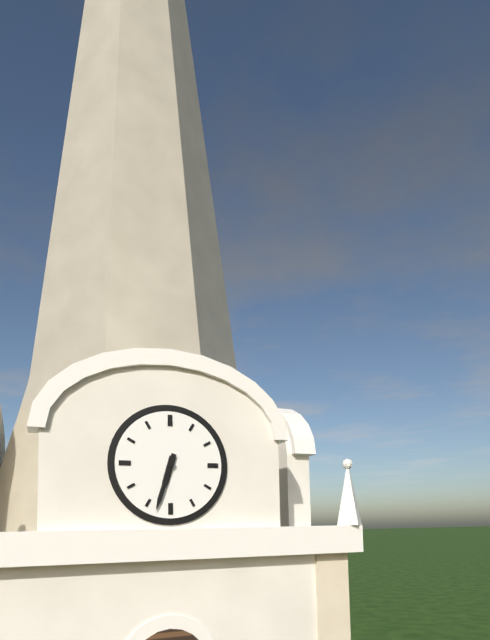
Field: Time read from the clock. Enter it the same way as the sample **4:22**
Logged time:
**6:33**
